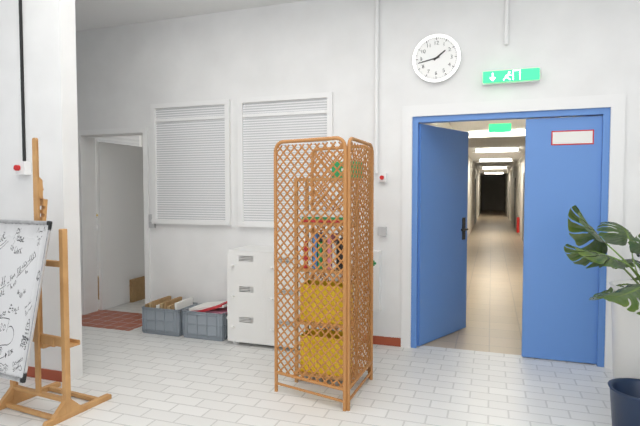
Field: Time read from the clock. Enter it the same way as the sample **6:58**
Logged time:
**1:43**
